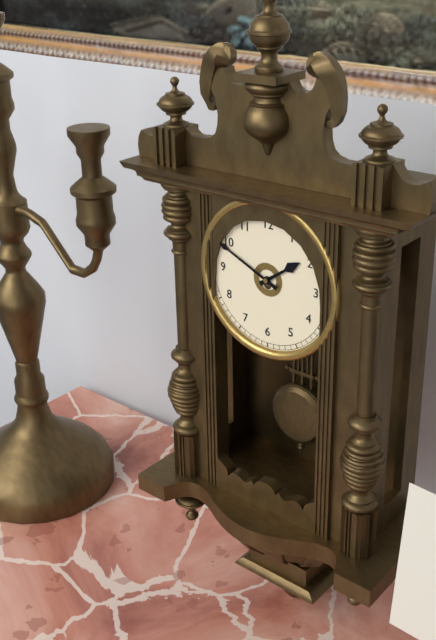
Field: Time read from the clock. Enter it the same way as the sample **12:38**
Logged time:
**1:49**
